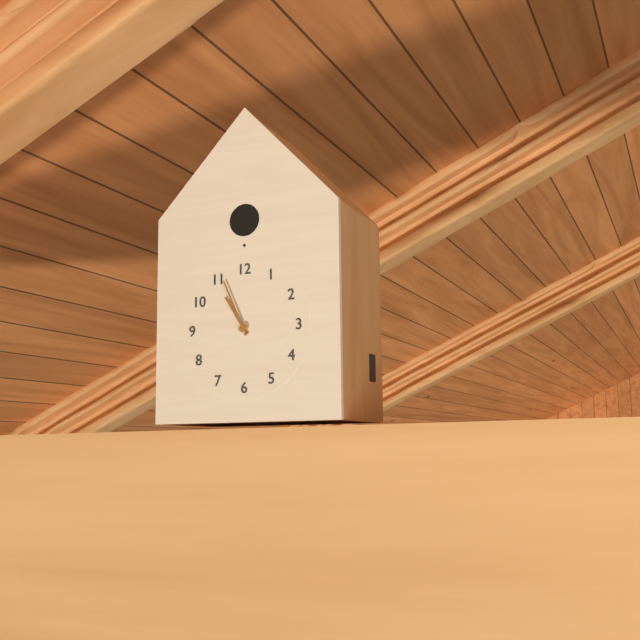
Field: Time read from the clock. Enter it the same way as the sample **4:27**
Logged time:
**10:56**
